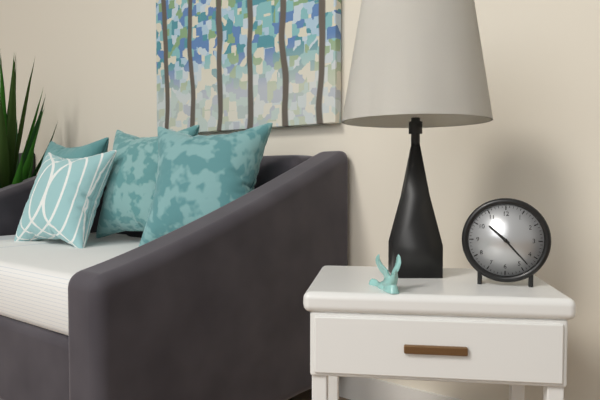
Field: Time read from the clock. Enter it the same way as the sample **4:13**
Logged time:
**10:23**
